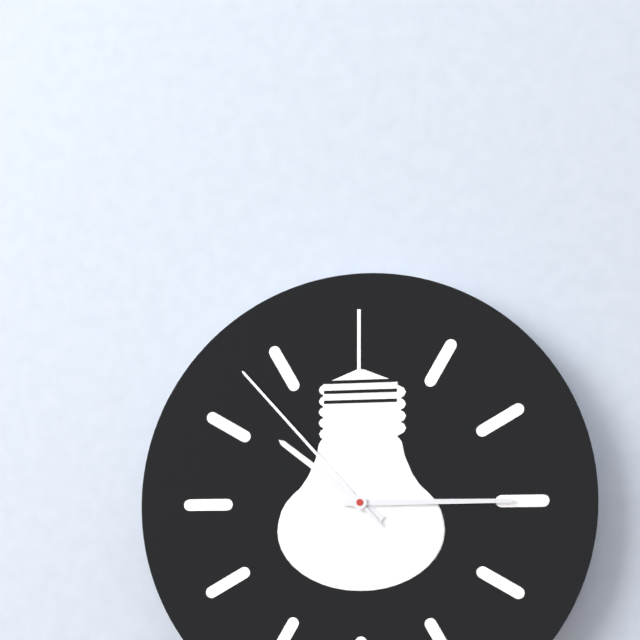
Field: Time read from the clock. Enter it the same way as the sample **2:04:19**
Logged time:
**10:15:53**
